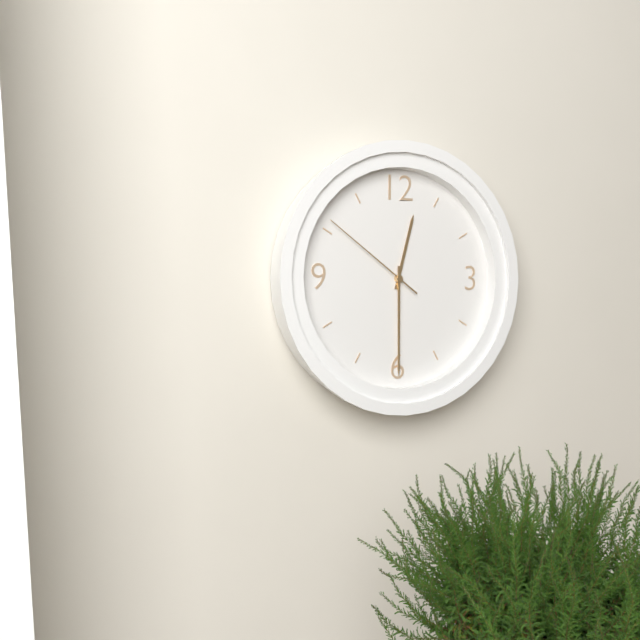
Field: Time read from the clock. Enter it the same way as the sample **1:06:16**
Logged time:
**12:30:51**
